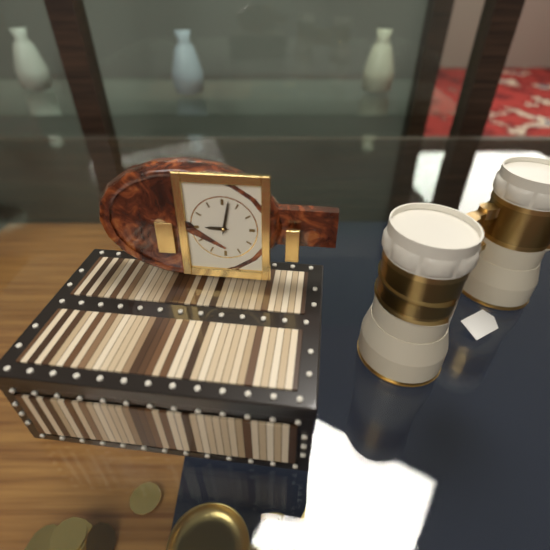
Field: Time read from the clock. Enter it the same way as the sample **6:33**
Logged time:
**9:02**
